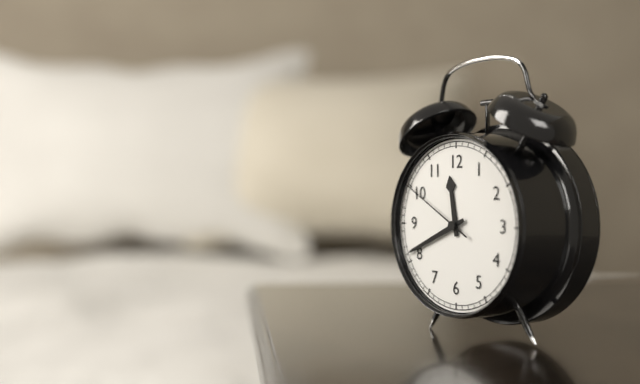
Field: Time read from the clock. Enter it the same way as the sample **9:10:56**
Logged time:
**11:41:50**
